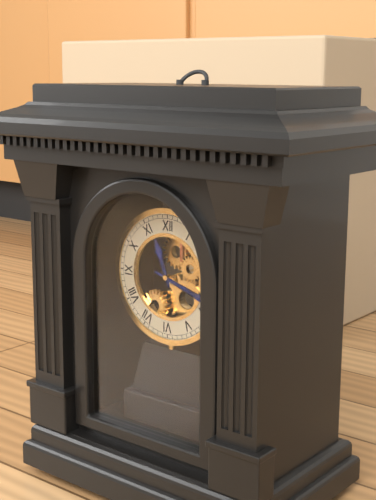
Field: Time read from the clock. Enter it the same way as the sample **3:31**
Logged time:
**11:18**
